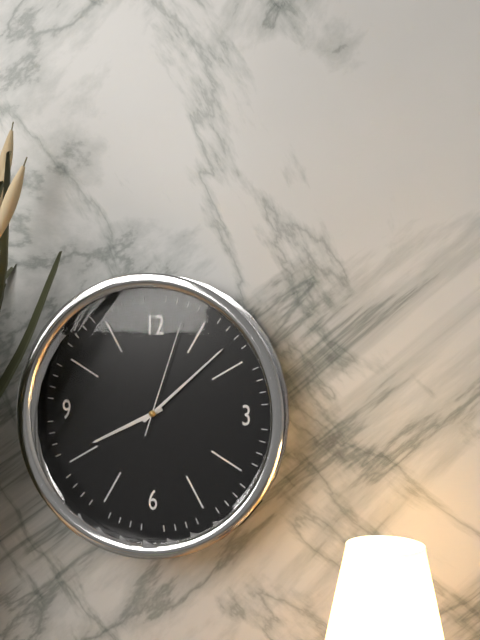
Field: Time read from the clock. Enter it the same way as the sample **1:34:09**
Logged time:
**8:08:03**
